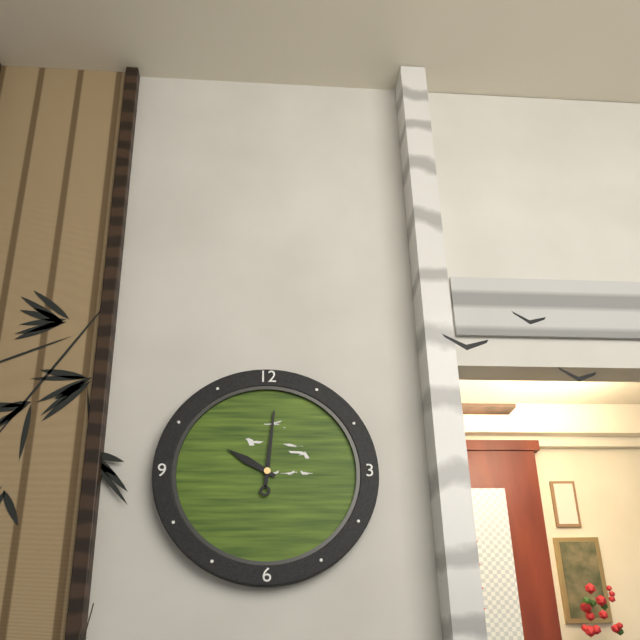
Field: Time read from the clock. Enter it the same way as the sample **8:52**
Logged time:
**10:01**
